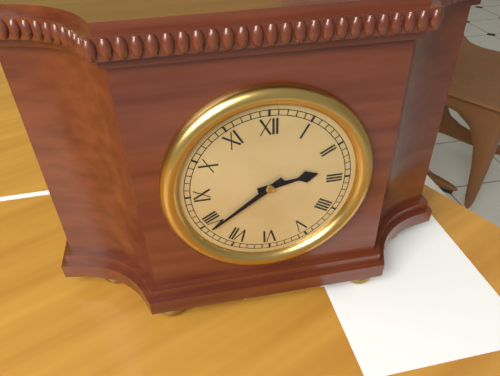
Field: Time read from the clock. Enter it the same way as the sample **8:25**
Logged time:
**2:39**
